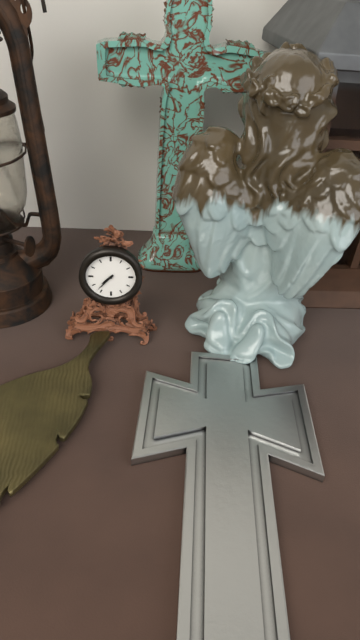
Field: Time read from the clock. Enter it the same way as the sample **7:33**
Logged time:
**7:37**
